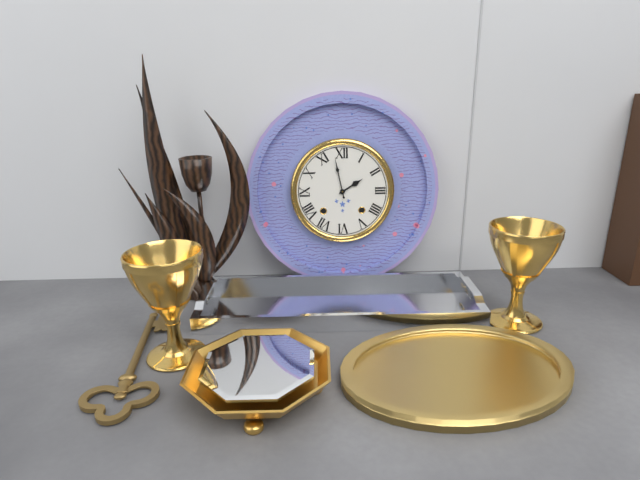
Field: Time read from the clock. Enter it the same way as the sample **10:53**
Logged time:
**1:58**
